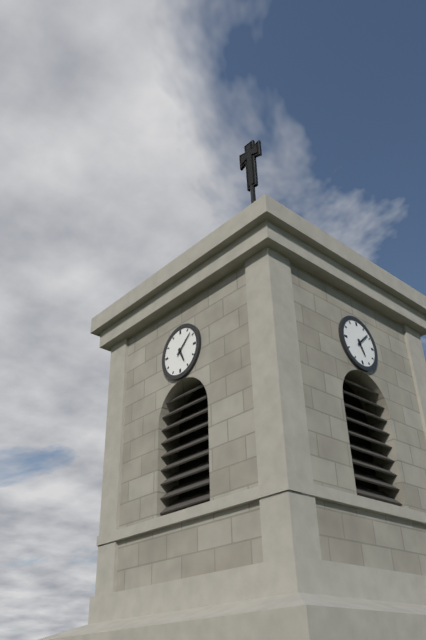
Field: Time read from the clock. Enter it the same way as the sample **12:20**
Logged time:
**5:08**
